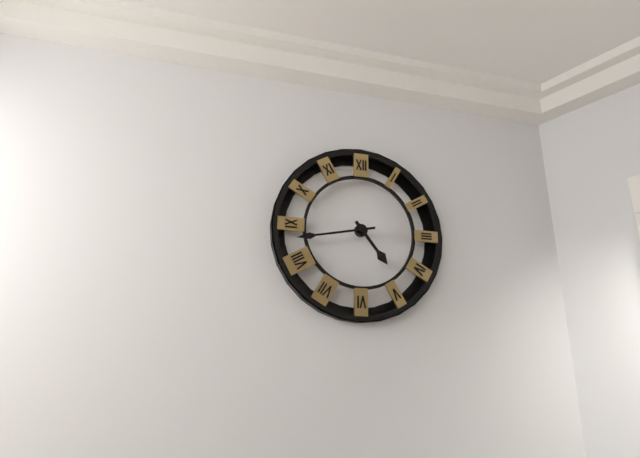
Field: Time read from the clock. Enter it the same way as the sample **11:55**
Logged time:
**4:43**
